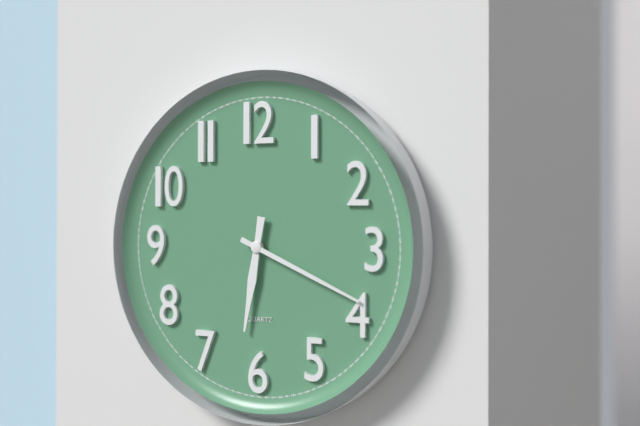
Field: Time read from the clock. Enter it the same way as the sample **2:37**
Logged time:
**6:19**
